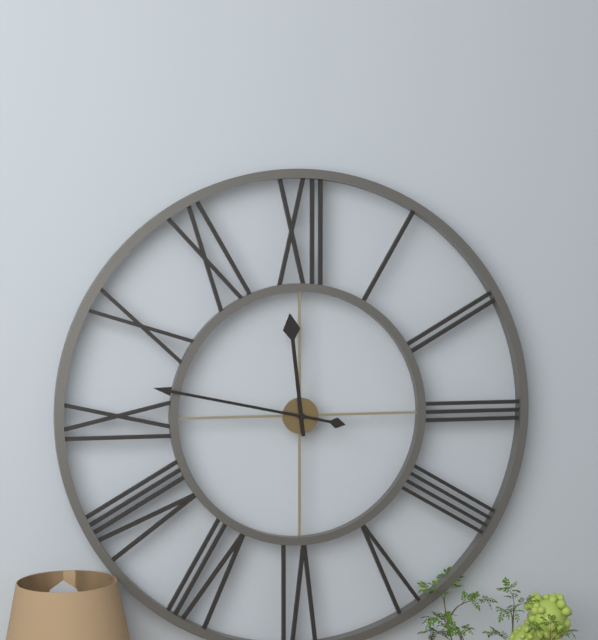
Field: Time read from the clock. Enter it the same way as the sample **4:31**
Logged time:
**11:47**
